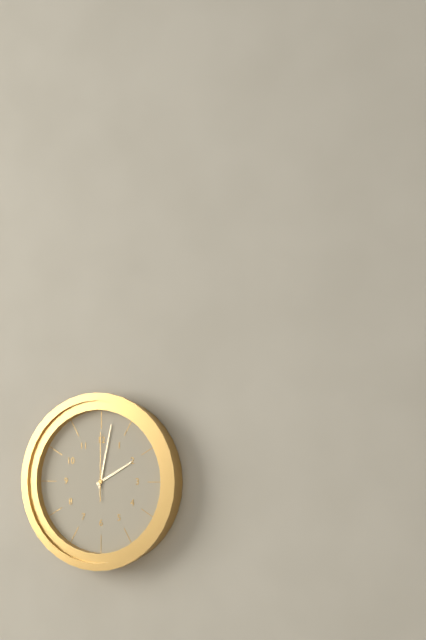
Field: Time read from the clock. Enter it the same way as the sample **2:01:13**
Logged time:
**2:02:00**
